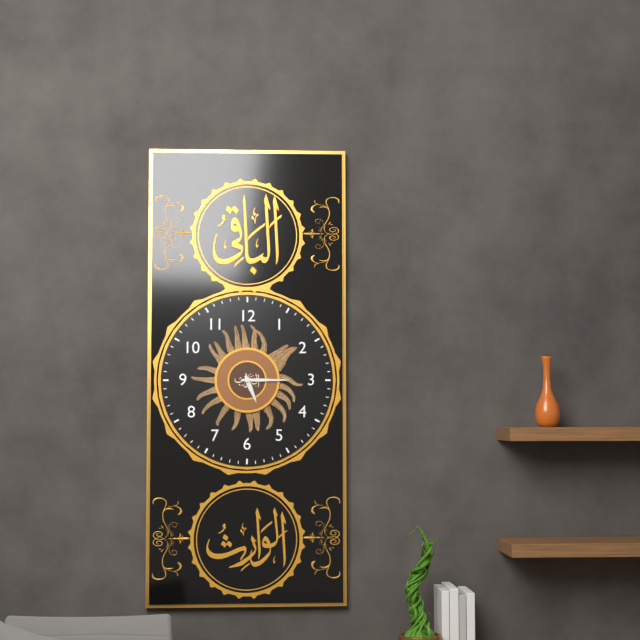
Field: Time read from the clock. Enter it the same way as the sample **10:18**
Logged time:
**5:15**
